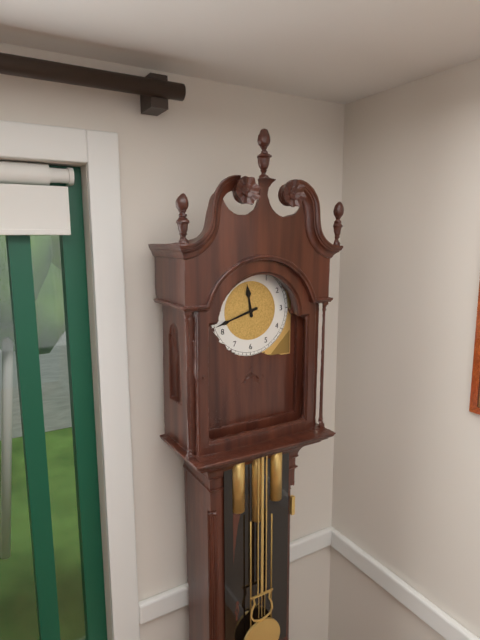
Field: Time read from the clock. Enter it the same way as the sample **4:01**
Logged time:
**11:42**
